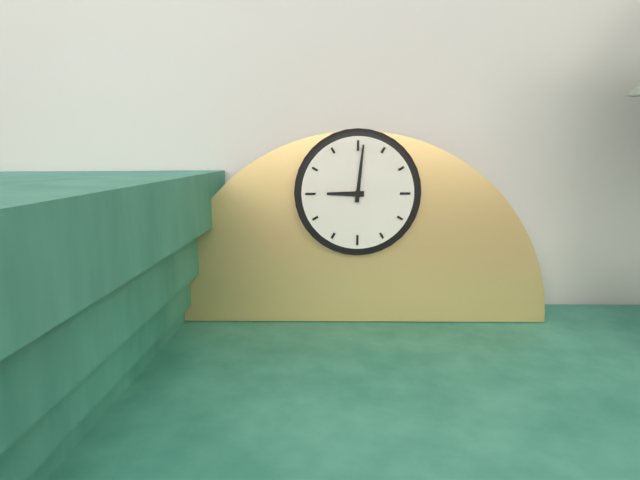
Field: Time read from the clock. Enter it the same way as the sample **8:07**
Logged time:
**9:01**
